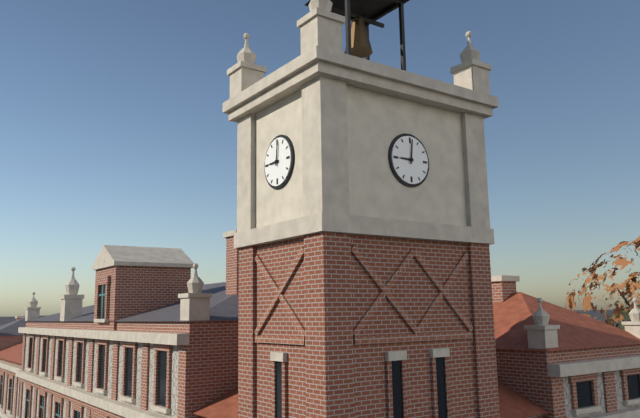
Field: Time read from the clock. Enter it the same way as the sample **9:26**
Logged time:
**9:01**
